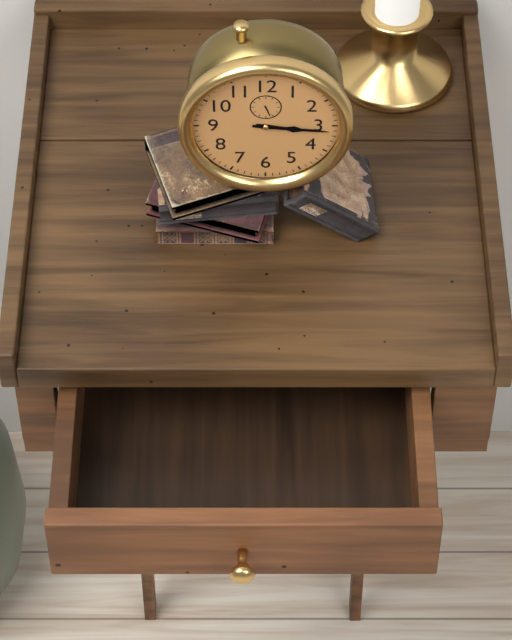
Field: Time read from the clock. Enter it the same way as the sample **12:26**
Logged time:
**3:16**
